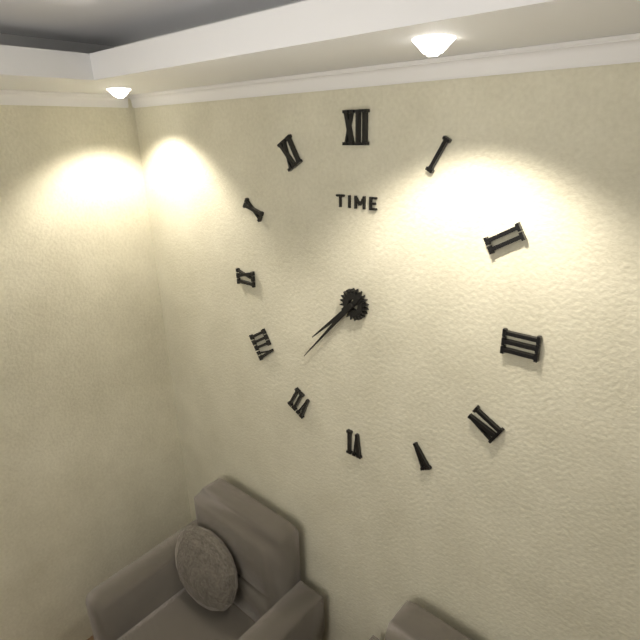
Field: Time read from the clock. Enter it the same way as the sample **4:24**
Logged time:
**7:37**
